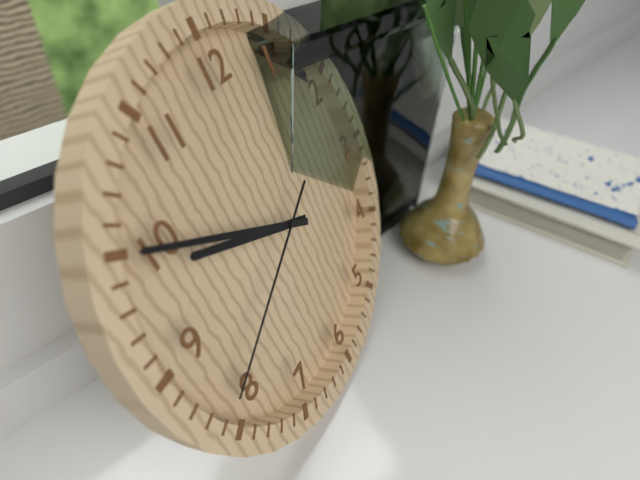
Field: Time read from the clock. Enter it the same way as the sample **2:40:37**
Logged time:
**9:50:41**
